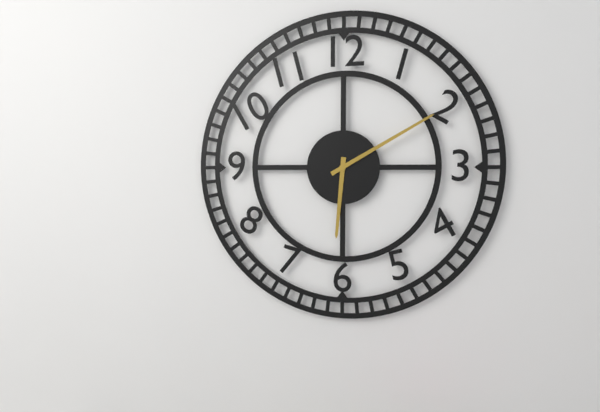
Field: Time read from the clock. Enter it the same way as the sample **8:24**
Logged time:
**6:10**
